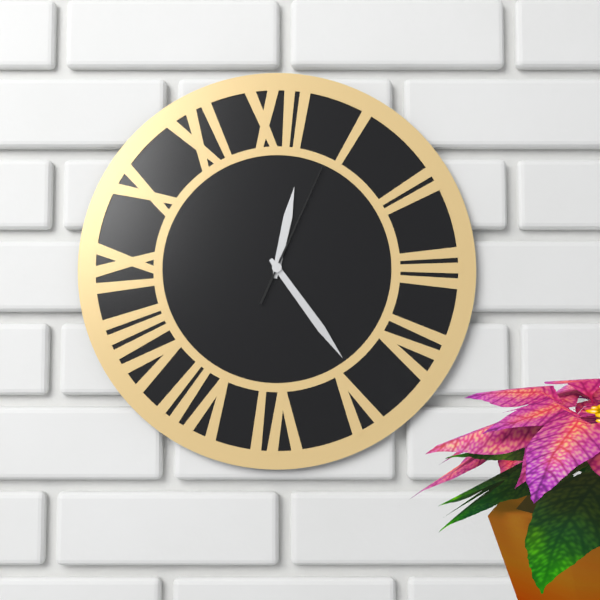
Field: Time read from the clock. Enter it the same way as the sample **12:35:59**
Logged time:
**12:24:04**
